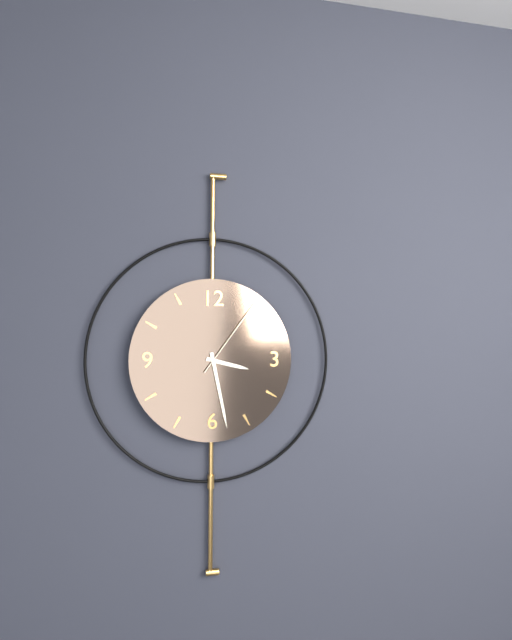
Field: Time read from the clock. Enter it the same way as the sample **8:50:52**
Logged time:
**3:28:06**
